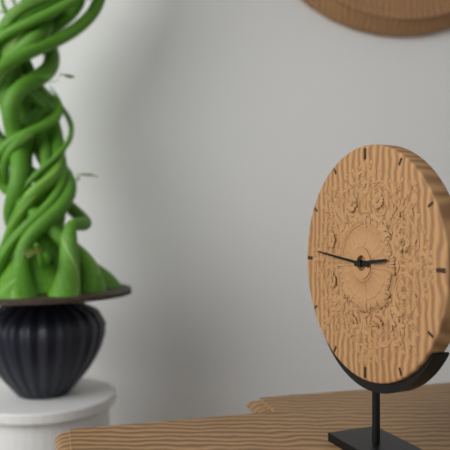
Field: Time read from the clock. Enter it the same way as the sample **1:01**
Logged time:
**2:46**
